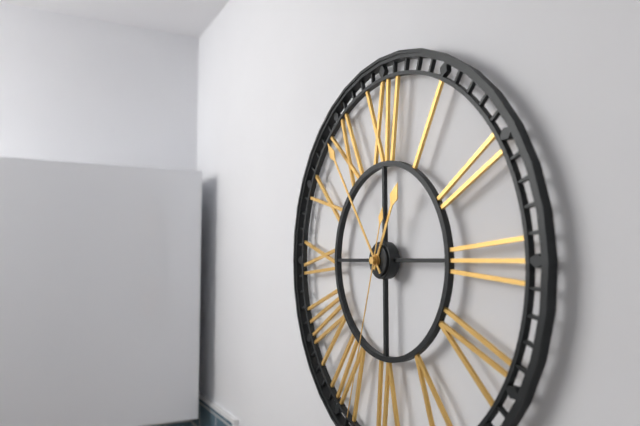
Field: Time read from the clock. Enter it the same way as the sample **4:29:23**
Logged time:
**12:54:33**
